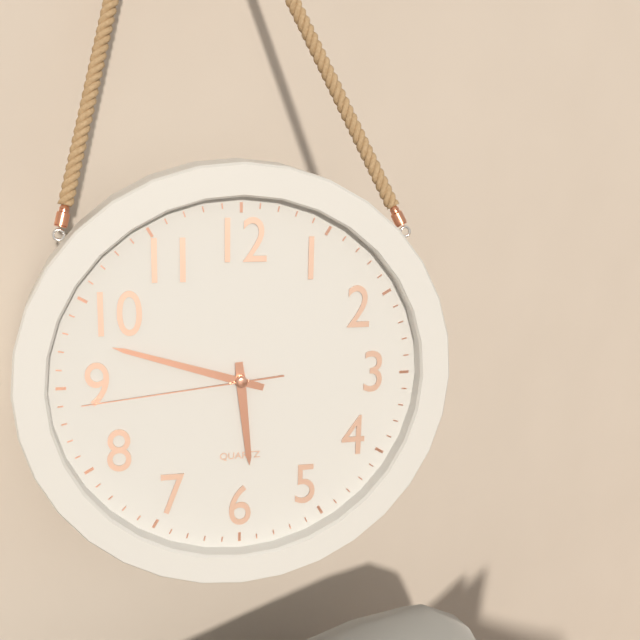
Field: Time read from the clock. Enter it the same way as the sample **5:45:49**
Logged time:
**5:48:44**
